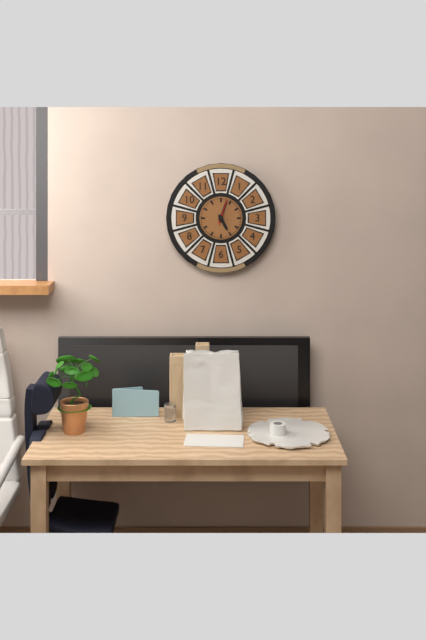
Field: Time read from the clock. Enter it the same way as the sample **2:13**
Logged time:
**5:03**
